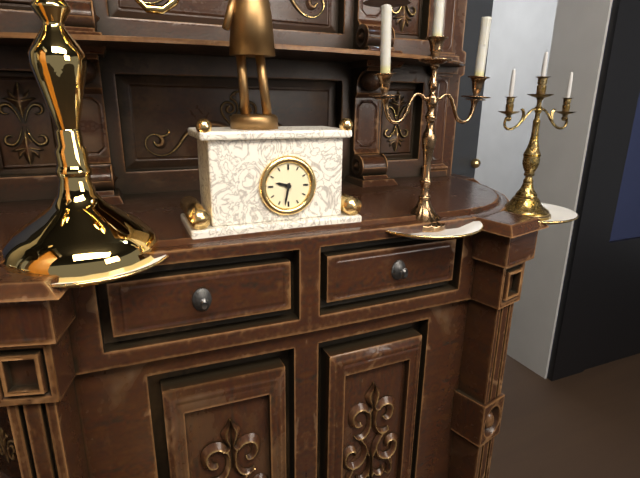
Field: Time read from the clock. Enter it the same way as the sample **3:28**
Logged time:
**9:32**
